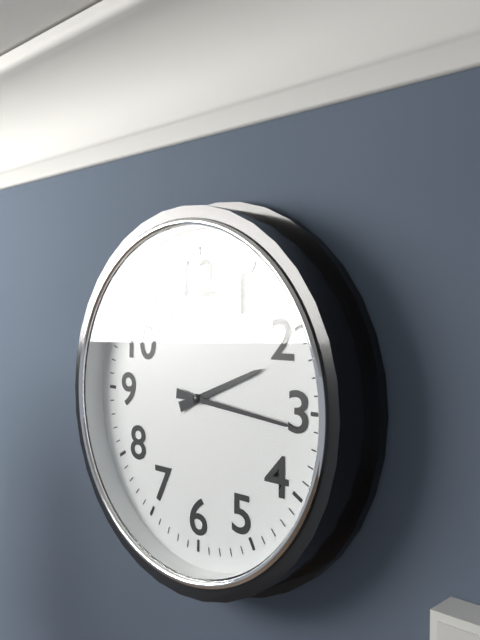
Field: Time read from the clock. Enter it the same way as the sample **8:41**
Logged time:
**2:16**
